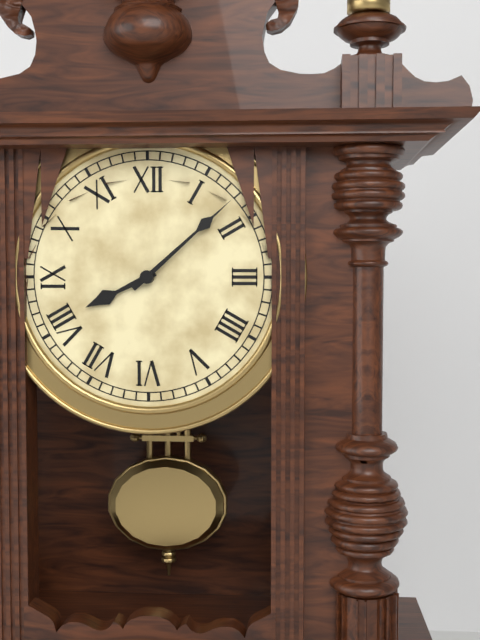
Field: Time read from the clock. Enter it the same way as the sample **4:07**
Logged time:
**8:08**
